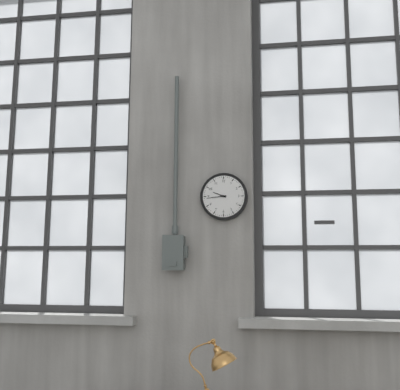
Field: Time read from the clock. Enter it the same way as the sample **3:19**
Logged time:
**9:44**
